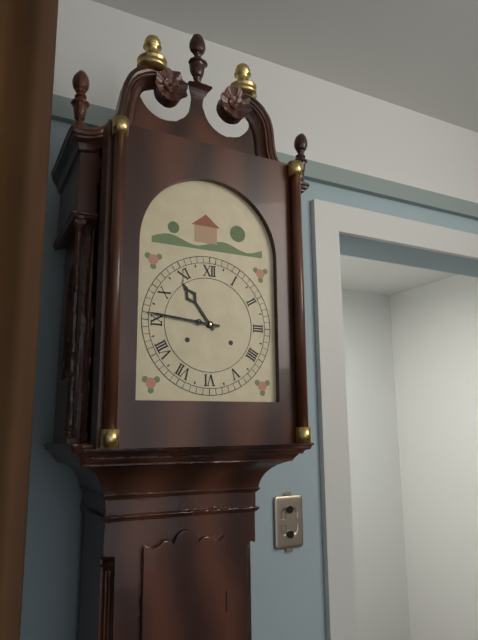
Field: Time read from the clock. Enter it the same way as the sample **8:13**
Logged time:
**10:46**
